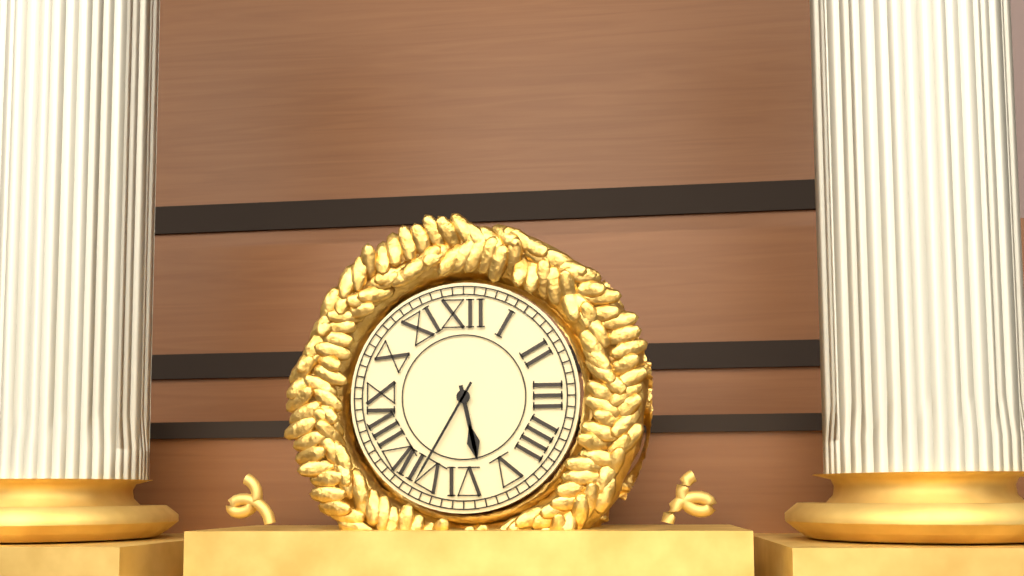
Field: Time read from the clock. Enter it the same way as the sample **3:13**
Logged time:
**5:35**
